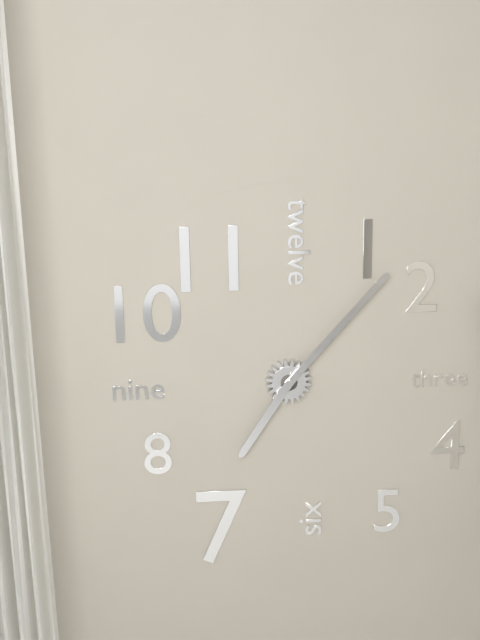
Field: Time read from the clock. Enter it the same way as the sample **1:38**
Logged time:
**7:07**
